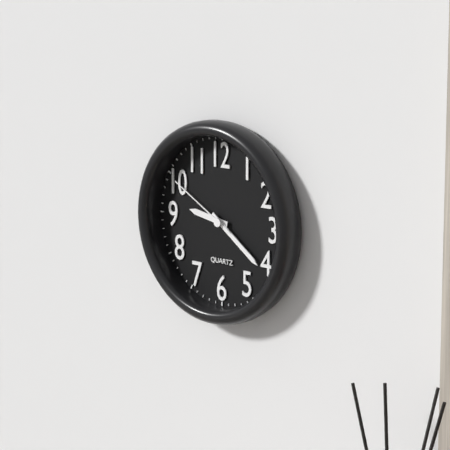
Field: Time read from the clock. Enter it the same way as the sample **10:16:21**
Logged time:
**9:21:50**
